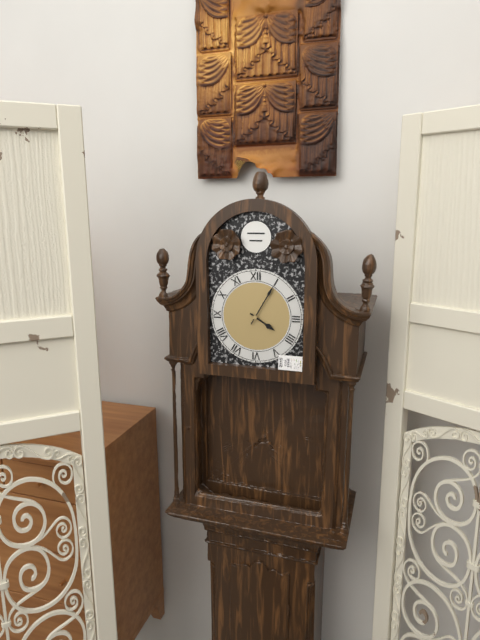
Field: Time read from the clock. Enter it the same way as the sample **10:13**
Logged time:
**4:05**
